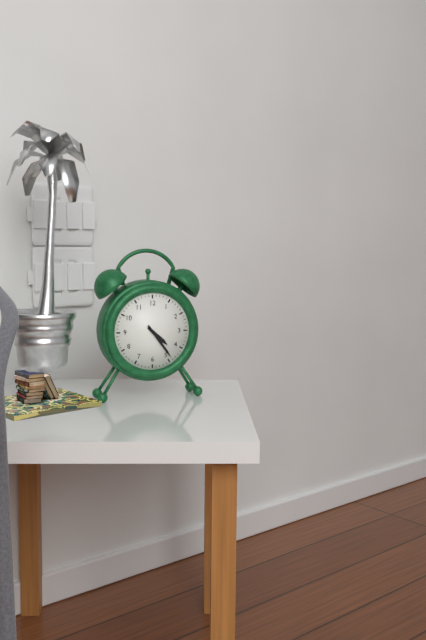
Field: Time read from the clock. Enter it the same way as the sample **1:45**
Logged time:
**4:24**
